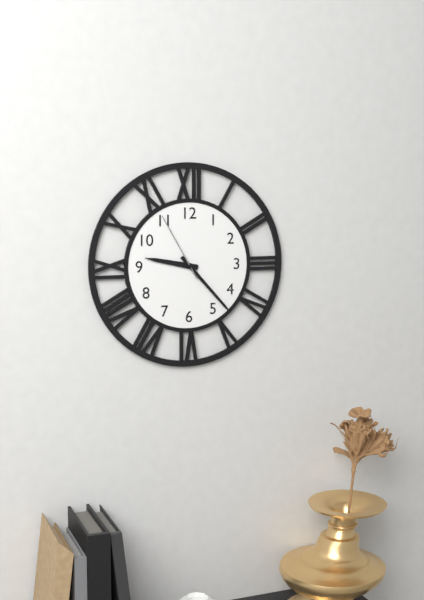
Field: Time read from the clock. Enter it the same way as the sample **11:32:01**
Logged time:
**9:23:55**
